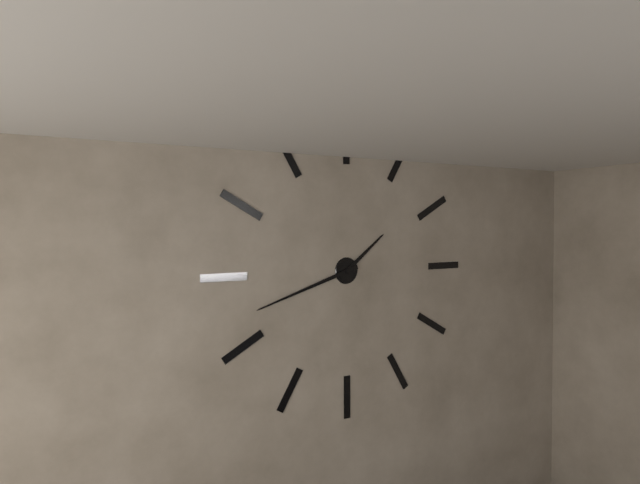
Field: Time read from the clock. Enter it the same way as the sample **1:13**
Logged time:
**1:42**
